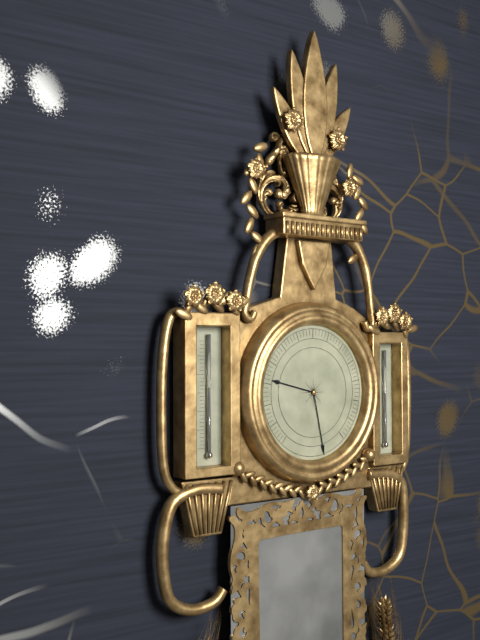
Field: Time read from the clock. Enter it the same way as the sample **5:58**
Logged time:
**9:28**
